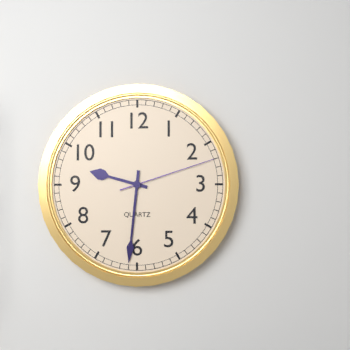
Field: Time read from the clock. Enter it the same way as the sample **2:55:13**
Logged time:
**9:31:12**
